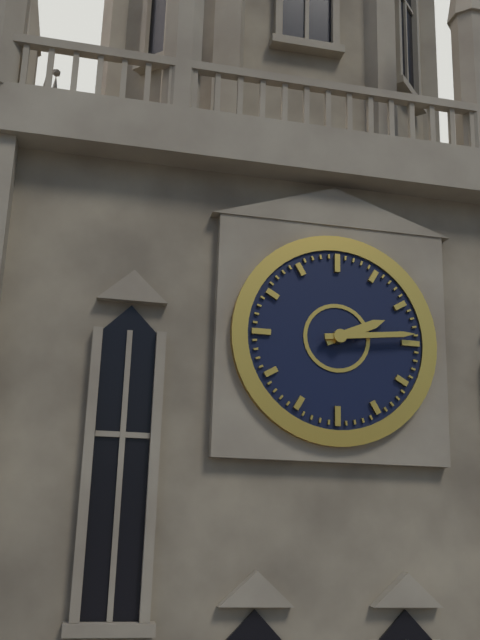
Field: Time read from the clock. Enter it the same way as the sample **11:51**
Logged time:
**2:14**
